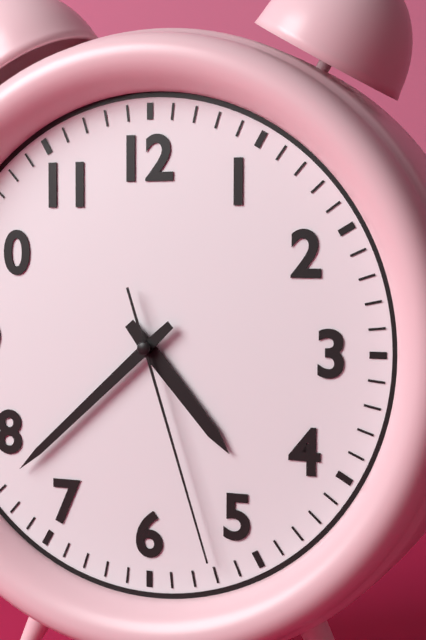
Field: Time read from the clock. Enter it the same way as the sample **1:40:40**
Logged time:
**4:38:27**
